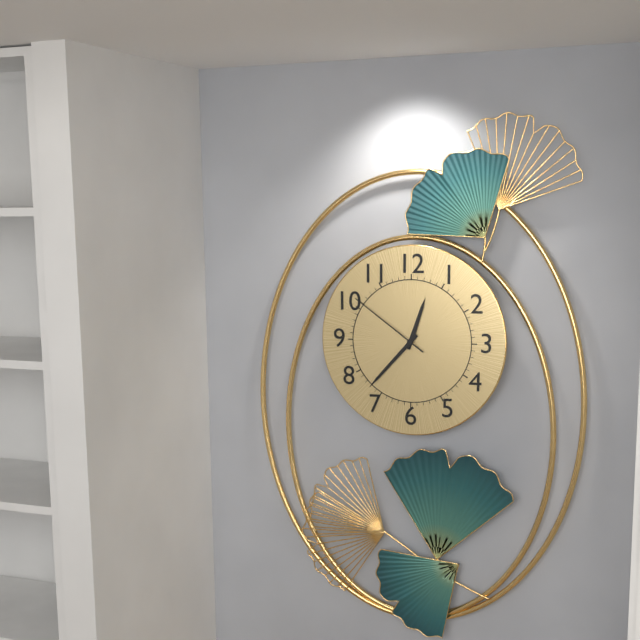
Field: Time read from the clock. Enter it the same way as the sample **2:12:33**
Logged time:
**12:37:51**
